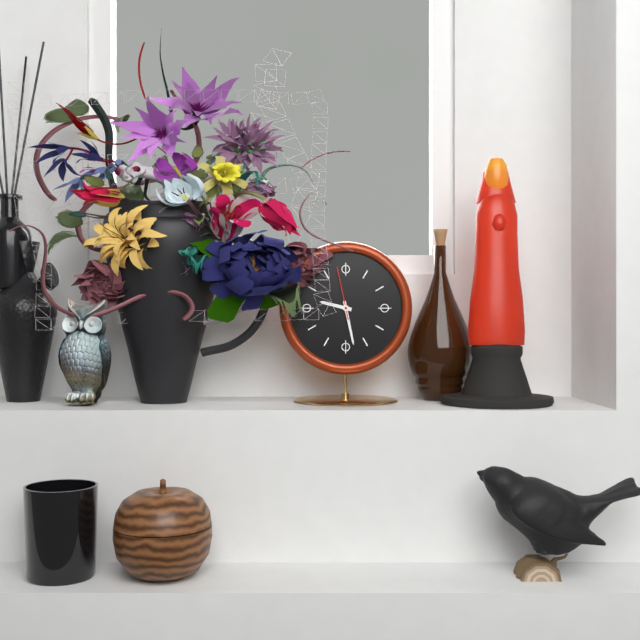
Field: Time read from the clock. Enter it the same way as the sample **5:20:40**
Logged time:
**9:28:58**
